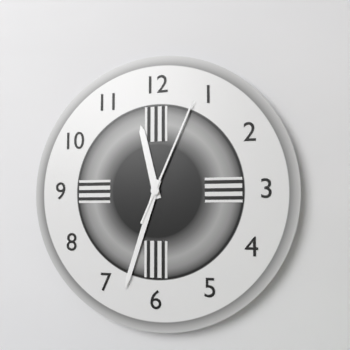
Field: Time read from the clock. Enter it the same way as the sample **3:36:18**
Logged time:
**11:33:04**
